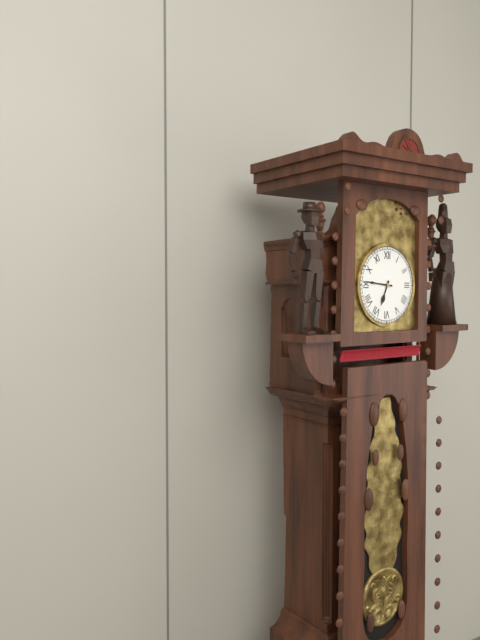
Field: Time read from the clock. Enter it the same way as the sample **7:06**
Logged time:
**6:46**
